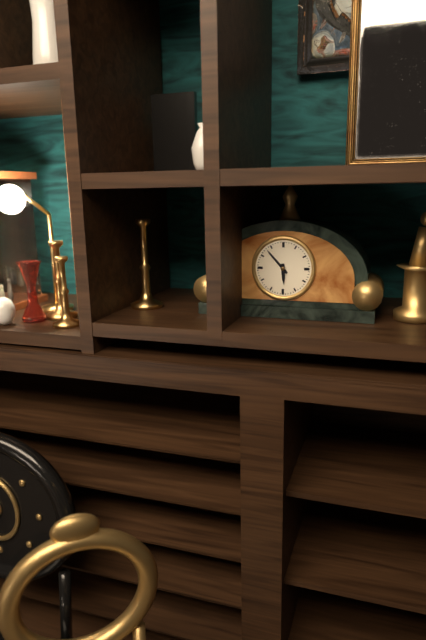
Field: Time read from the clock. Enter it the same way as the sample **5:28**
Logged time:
**5:53**
